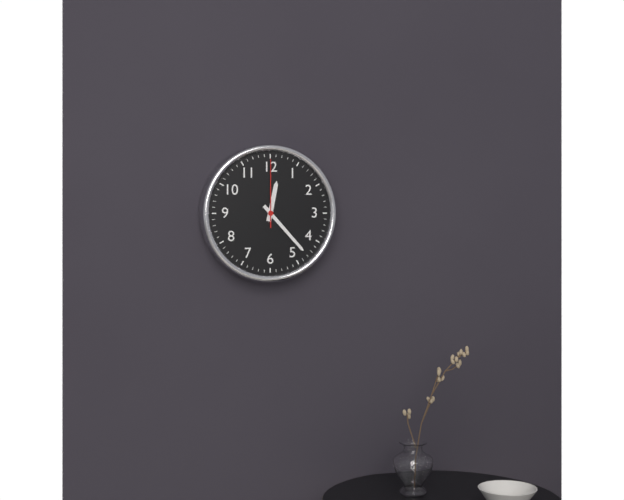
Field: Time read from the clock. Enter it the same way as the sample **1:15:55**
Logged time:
**12:23:00**
